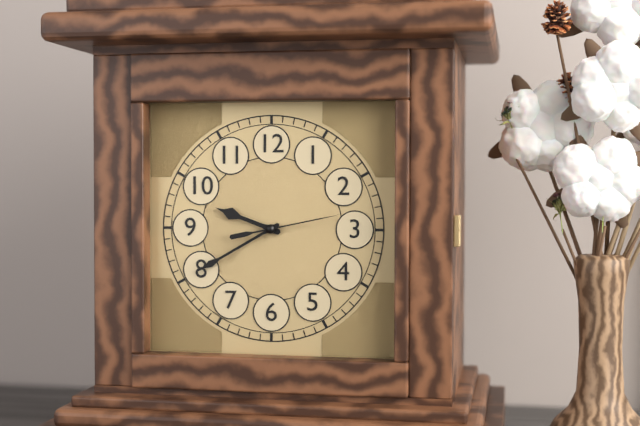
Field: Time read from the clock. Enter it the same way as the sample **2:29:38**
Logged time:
**9:40:13**
